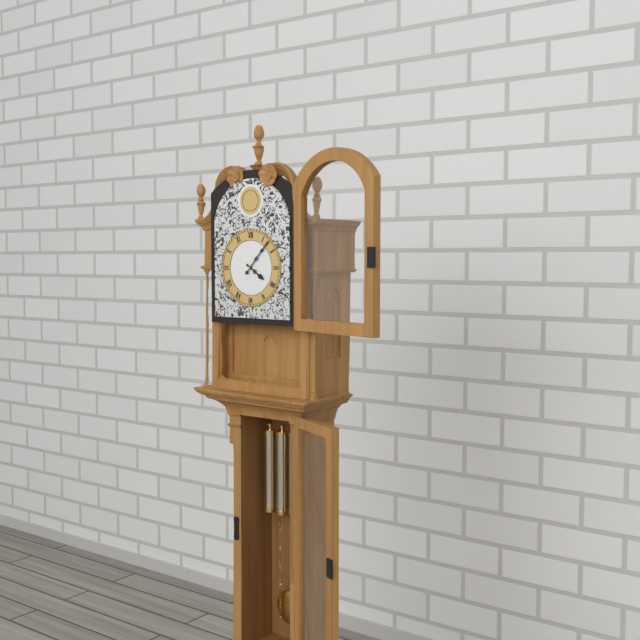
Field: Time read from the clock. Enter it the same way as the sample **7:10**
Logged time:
**4:07**
